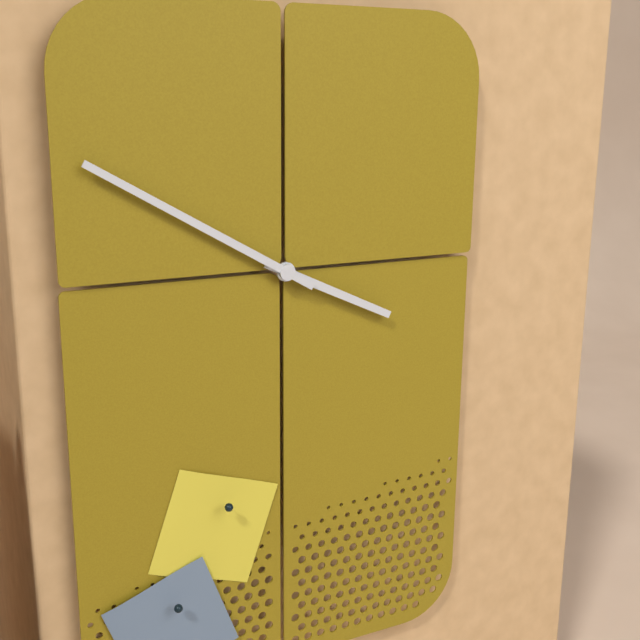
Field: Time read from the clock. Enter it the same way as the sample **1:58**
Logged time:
**3:50**
